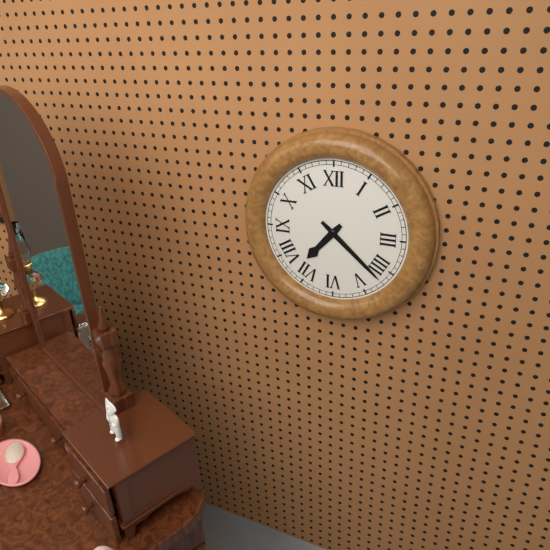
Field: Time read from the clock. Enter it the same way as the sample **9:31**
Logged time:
**7:22**
